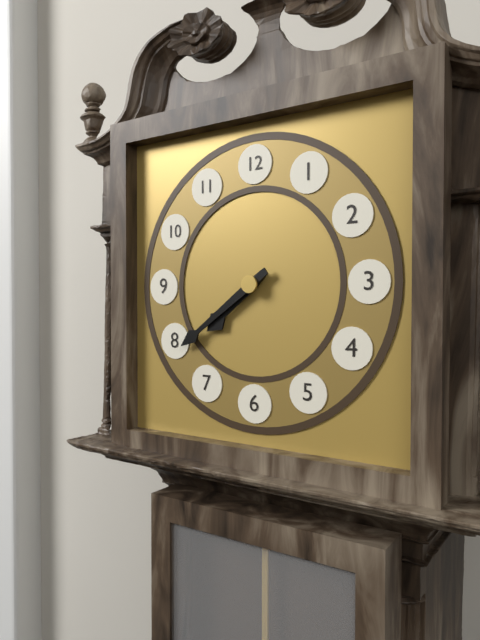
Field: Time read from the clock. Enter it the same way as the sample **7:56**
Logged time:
**7:39**
